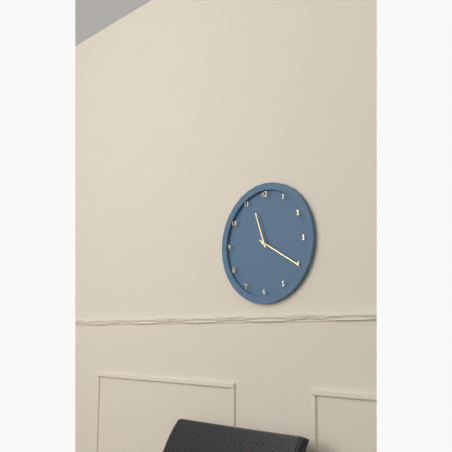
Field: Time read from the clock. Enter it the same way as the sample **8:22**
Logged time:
**11:20**
